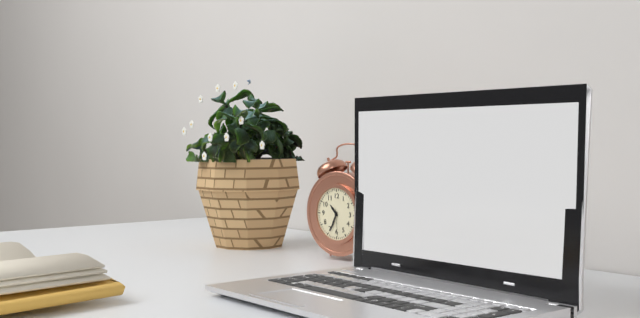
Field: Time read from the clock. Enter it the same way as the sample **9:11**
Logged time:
**10:34**
